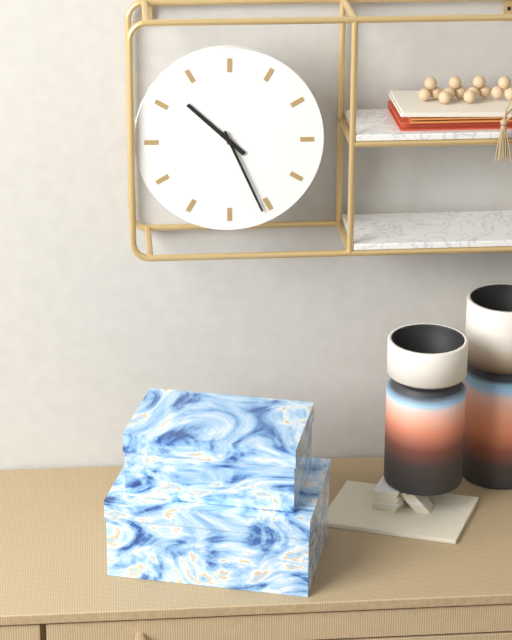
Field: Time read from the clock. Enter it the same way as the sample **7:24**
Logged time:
**10:26**
